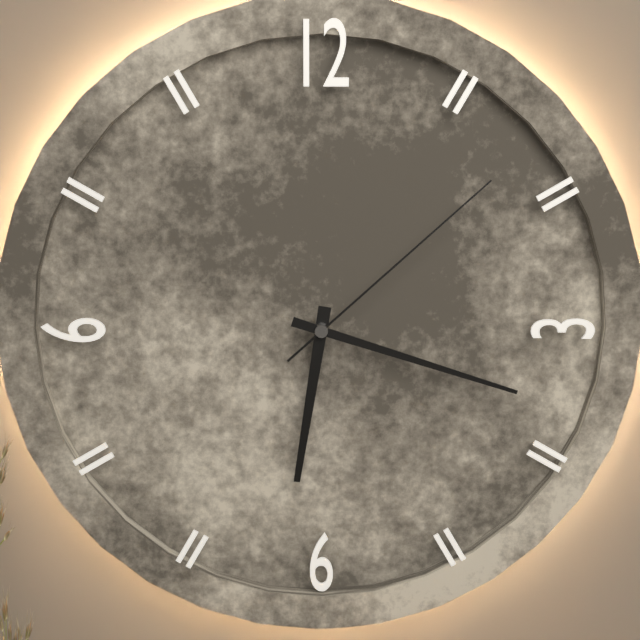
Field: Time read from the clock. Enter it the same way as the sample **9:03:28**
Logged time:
**6:18:08**
